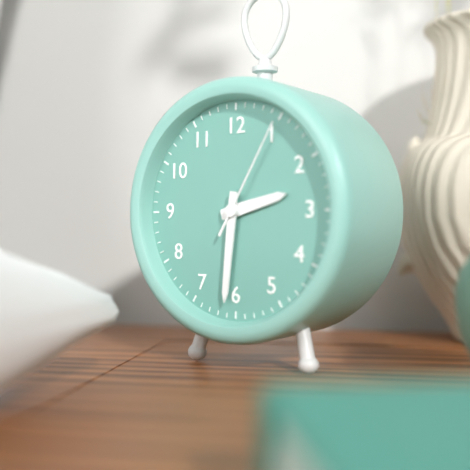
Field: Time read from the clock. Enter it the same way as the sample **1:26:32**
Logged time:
**2:31:05**
